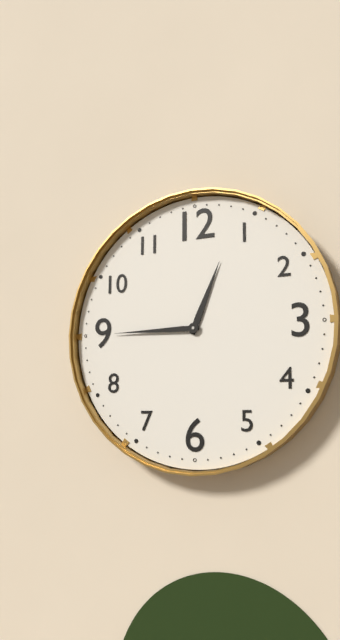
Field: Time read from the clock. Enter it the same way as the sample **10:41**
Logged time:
**12:45**
